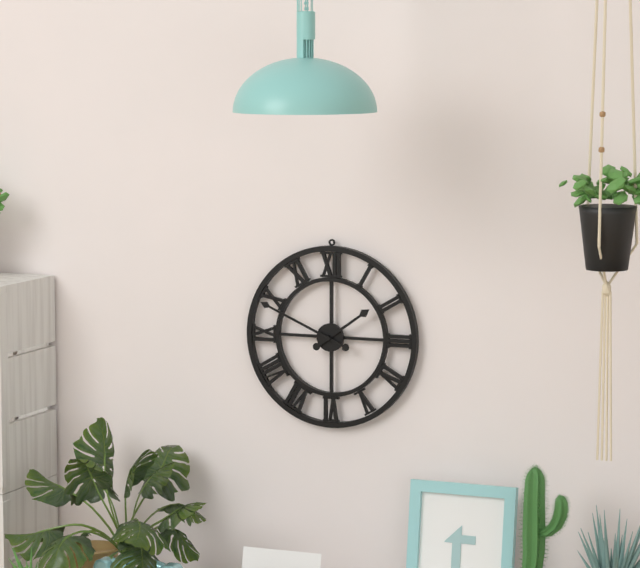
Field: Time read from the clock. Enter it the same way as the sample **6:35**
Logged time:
**1:49**
